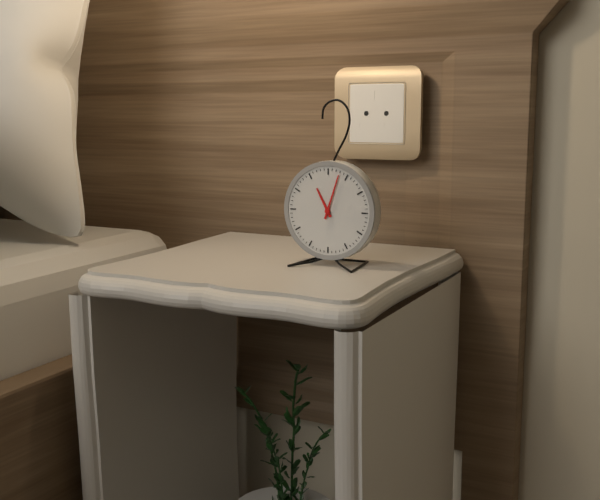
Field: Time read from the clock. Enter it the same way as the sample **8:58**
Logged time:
**11:03**
